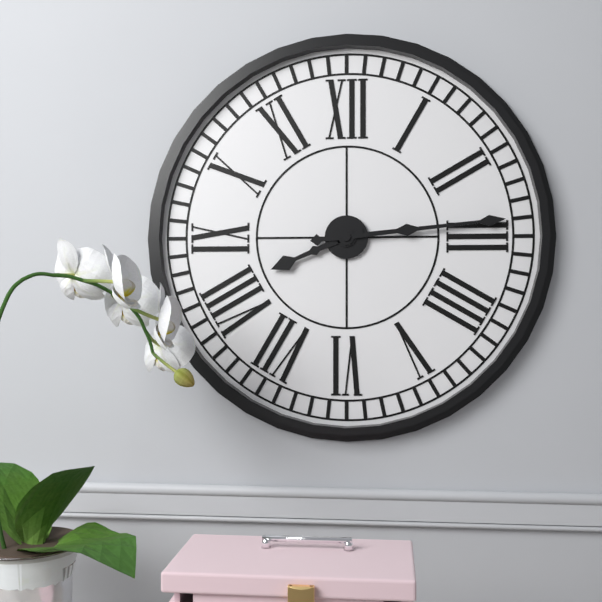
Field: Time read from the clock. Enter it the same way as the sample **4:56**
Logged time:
**8:14**
